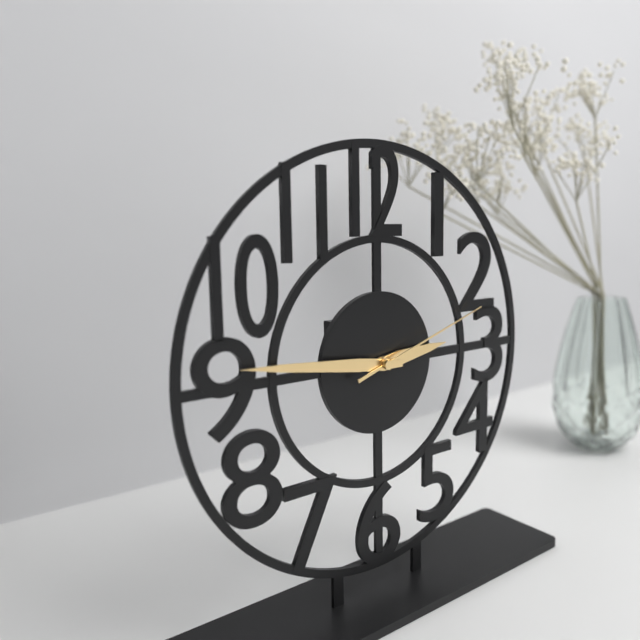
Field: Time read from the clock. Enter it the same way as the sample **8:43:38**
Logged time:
**2:46:12**
